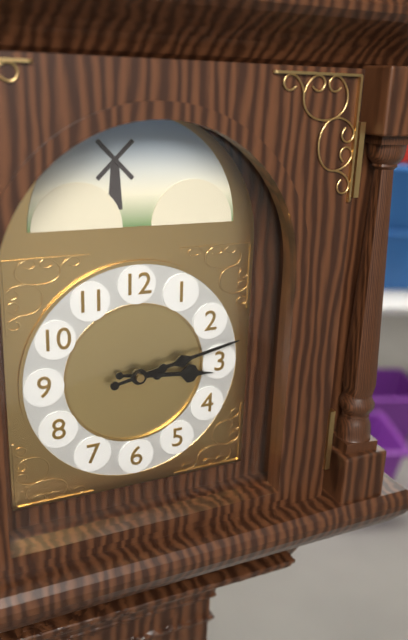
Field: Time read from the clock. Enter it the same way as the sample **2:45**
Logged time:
**3:13**
